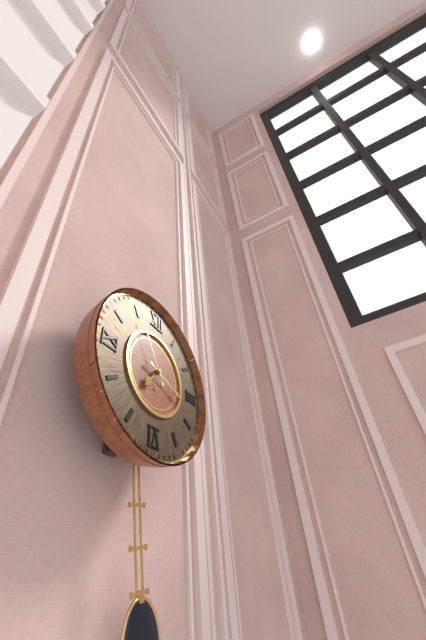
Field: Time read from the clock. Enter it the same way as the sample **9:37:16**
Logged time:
**7:18:55**
